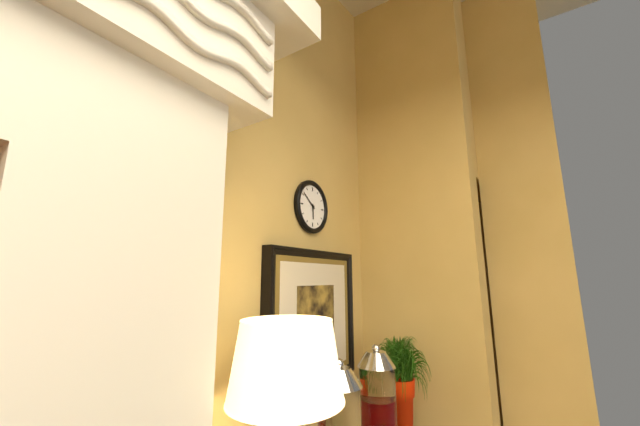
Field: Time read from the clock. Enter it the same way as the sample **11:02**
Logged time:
**5:51**
